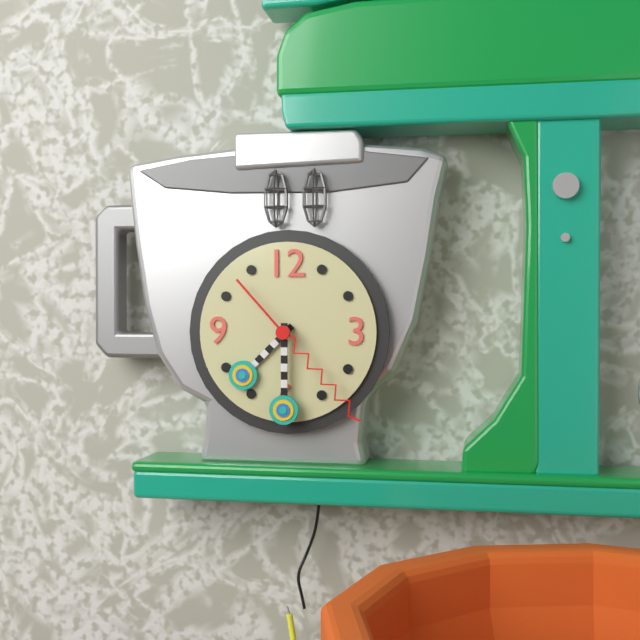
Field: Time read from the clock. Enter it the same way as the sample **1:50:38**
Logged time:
**7:30:23**
